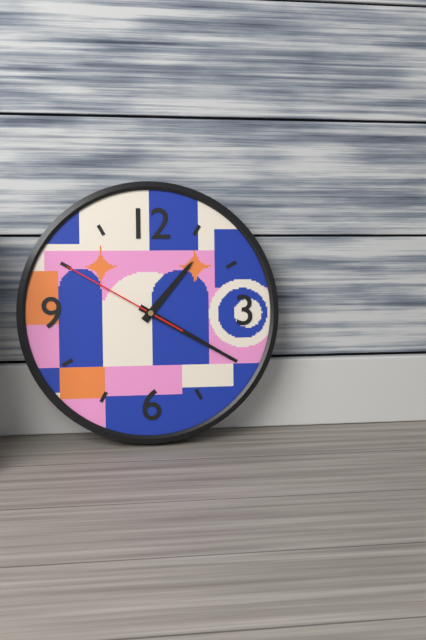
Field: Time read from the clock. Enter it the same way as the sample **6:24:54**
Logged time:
**1:20:50**
